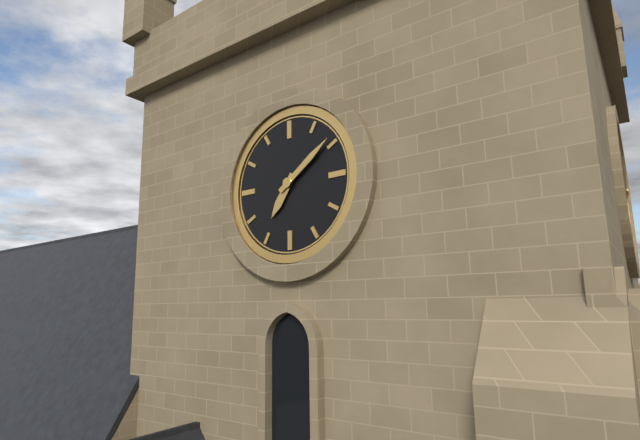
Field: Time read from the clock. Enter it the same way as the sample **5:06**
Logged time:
**7:09**
